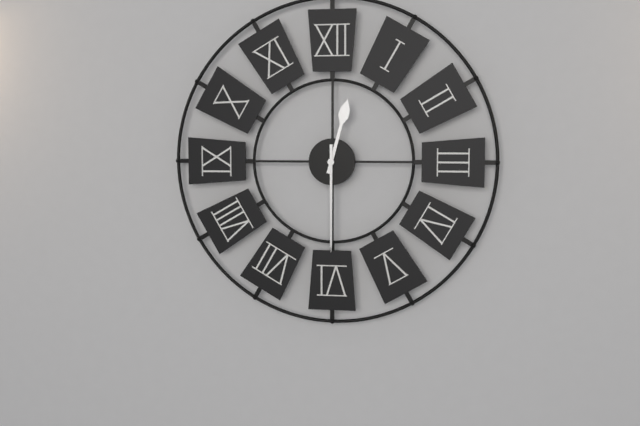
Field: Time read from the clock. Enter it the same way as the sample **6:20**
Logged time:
**12:30**
